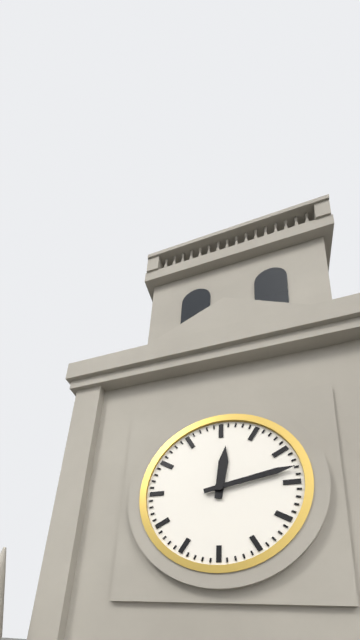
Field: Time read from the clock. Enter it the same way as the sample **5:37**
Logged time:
**12:13**
